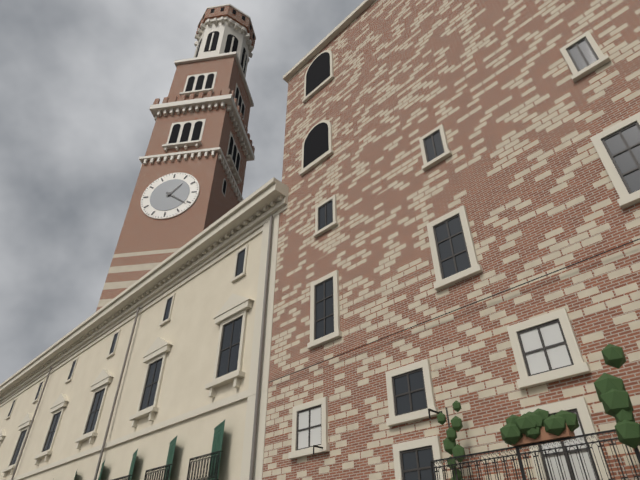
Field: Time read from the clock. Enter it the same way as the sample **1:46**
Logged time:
**1:21**
